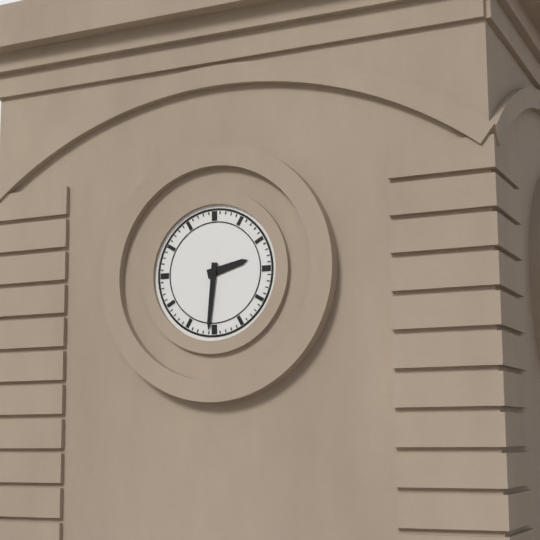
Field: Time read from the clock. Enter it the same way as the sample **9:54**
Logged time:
**2:31**
